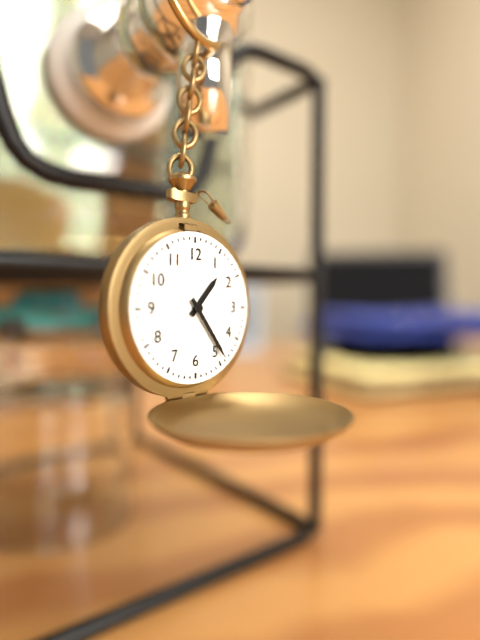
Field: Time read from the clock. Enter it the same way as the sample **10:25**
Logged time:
**1:24**
